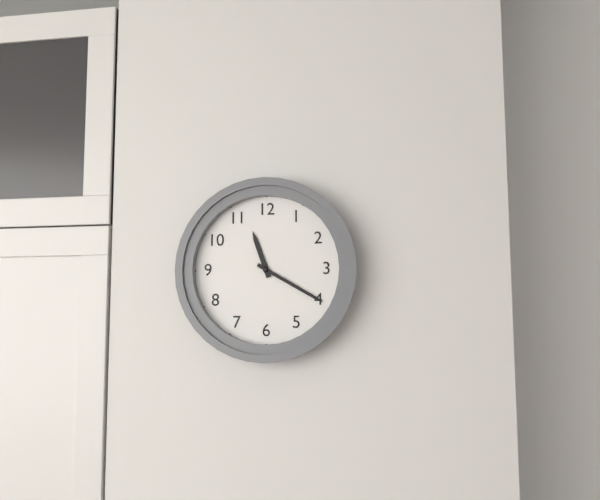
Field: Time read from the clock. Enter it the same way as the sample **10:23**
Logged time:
**11:20**
